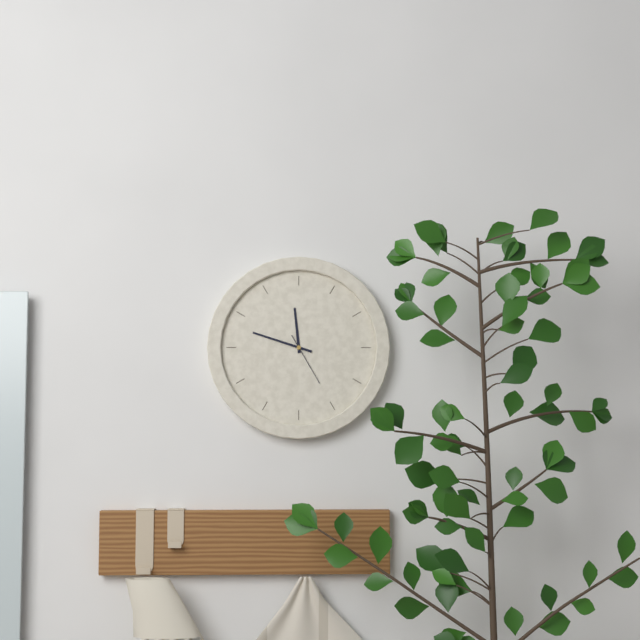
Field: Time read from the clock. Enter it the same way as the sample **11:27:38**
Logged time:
**11:48:25**
